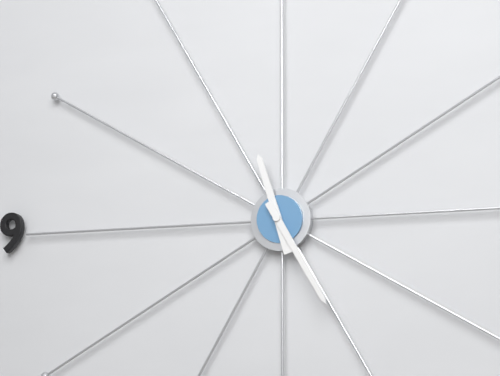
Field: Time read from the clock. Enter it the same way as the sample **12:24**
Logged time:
**11:25**
